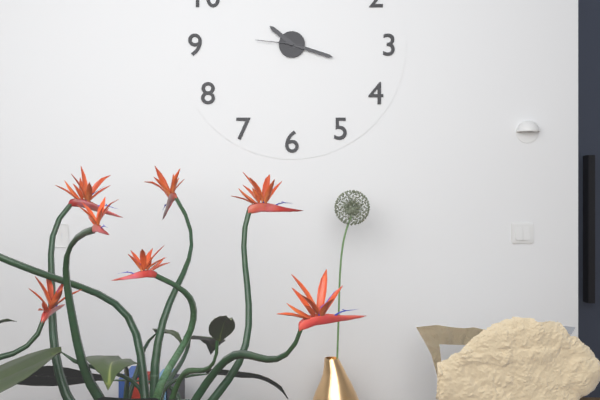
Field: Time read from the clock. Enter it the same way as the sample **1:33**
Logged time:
**10:18**
